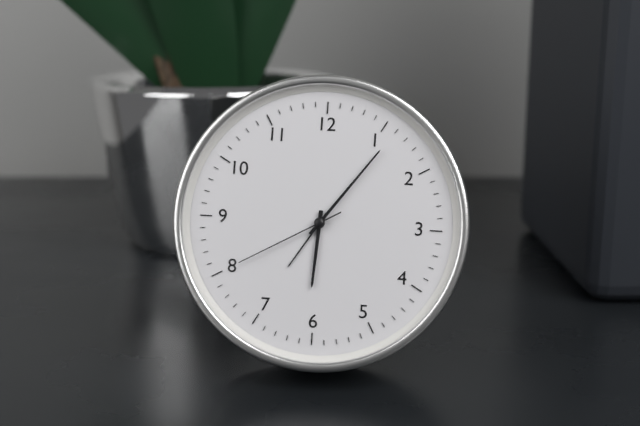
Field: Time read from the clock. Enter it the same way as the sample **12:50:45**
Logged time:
**6:06:40**
